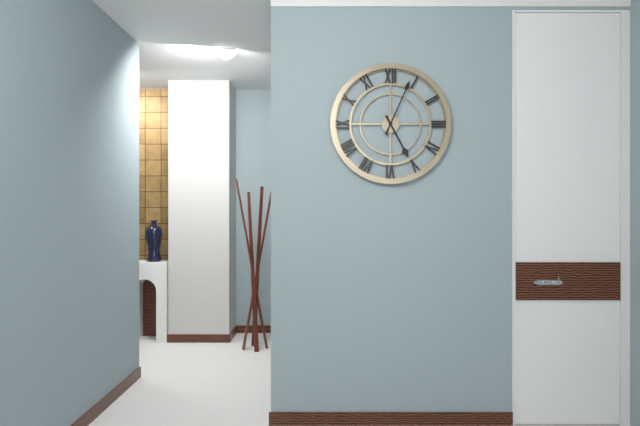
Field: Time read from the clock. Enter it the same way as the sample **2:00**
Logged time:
**5:04**
